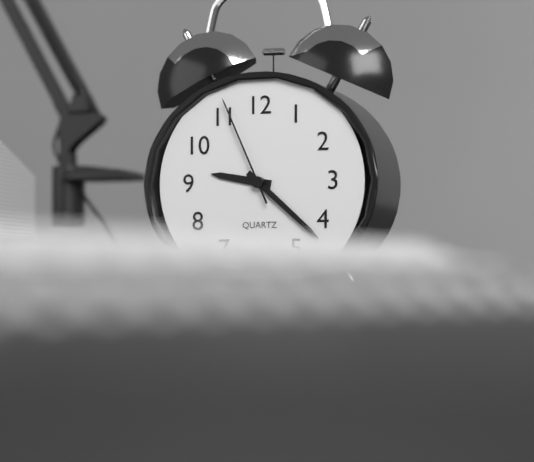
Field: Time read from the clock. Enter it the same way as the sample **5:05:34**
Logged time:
**9:22:56**
